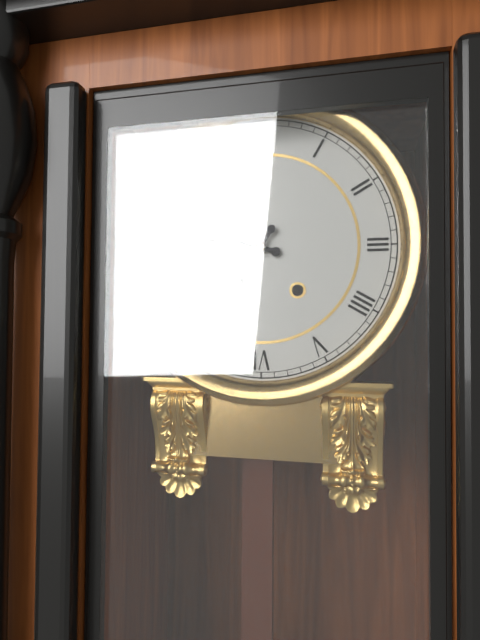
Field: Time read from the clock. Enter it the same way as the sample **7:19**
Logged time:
**9:35**
